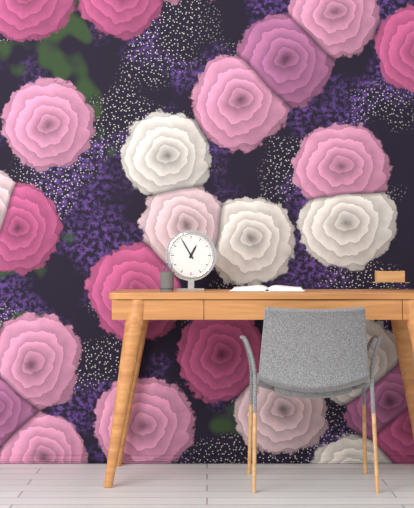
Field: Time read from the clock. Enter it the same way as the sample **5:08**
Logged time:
**12:55**
